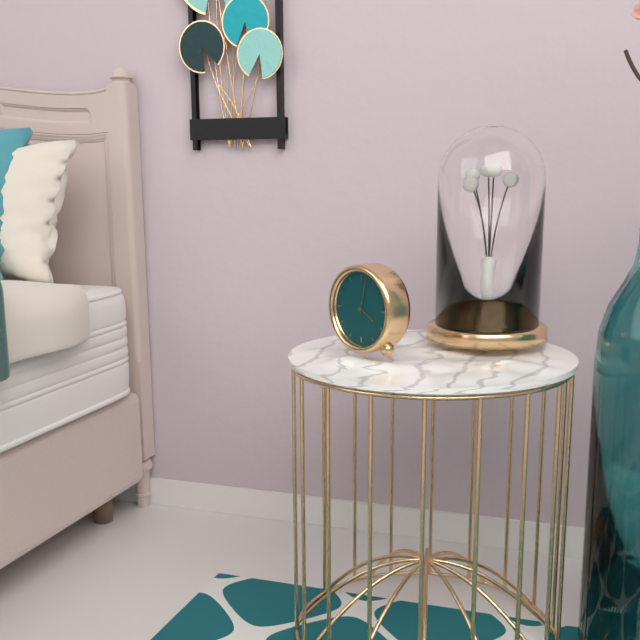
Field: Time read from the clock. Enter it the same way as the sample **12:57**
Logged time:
**4:02**
